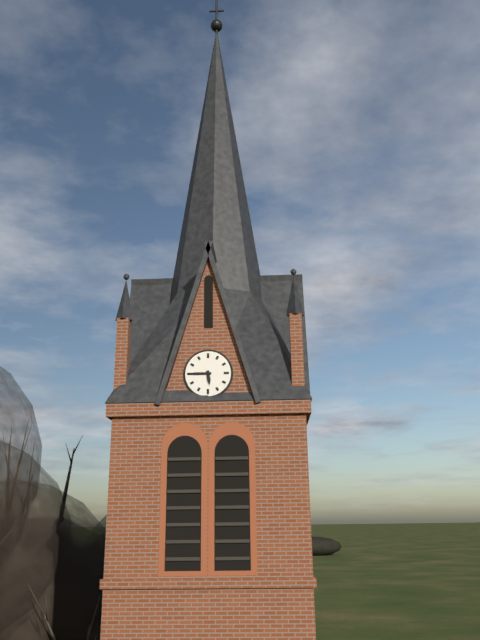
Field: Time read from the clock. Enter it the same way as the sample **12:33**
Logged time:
**5:45**
